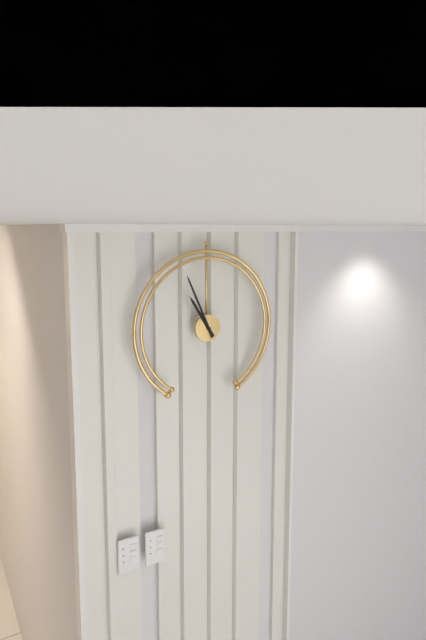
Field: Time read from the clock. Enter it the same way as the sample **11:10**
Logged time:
**10:56**
